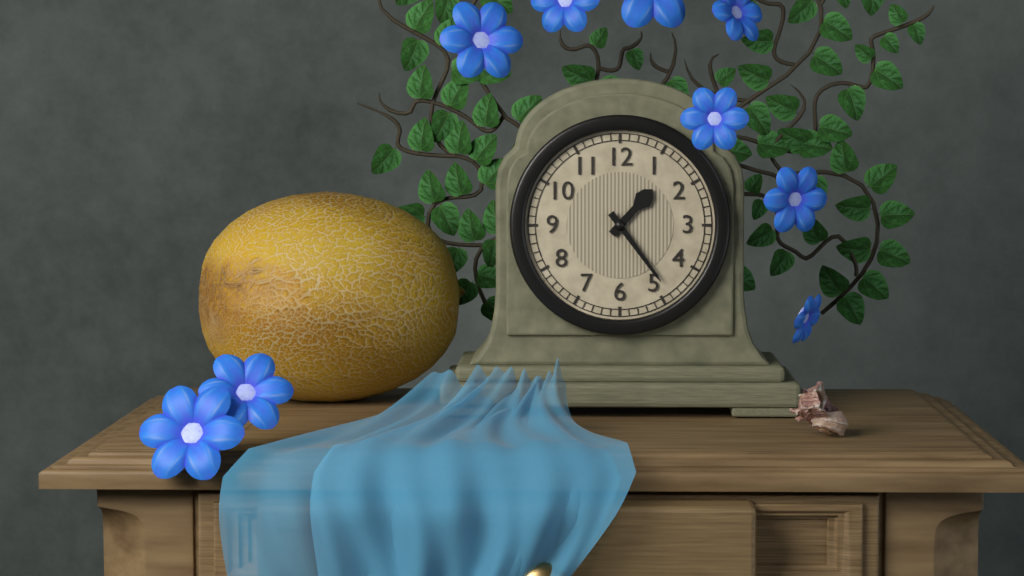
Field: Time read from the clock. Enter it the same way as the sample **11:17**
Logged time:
**1:24**
